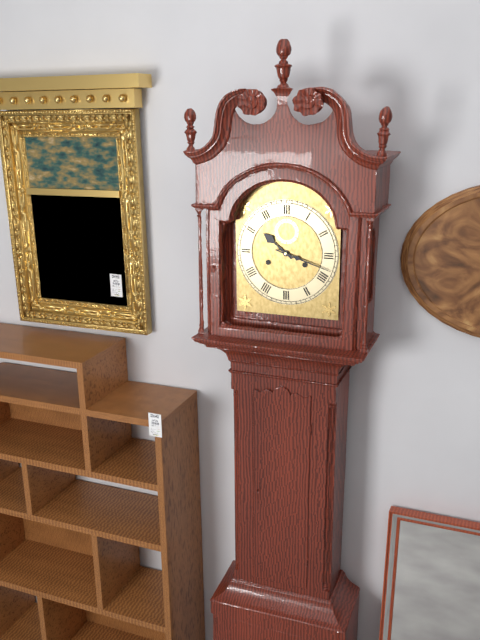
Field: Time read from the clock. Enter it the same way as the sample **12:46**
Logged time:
**10:18**
